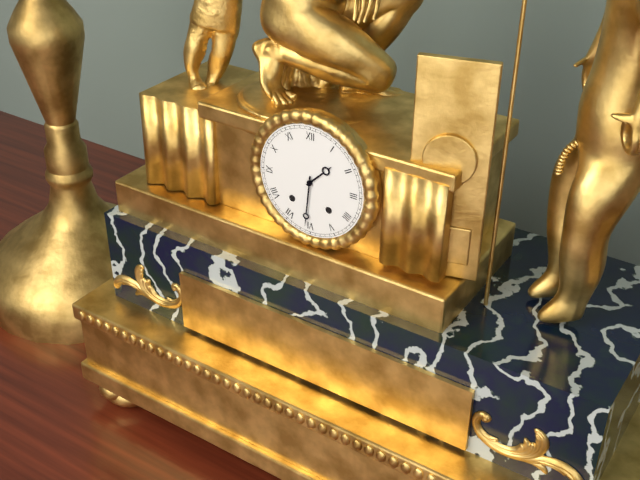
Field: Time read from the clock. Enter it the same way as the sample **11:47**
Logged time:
**1:31**
